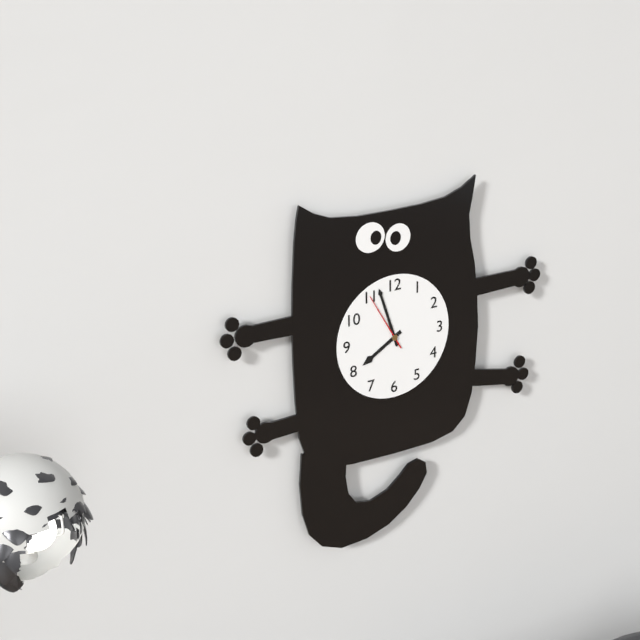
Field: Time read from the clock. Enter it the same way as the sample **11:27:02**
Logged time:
**7:57:55**
